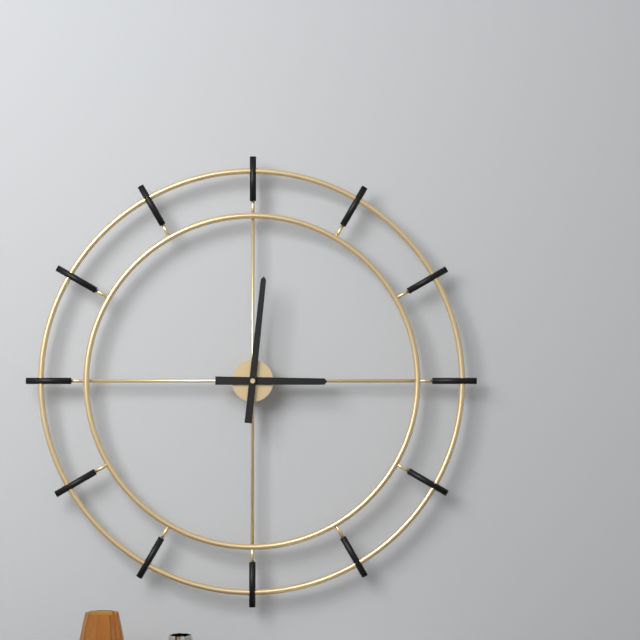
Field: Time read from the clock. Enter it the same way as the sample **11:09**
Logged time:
**3:01**
